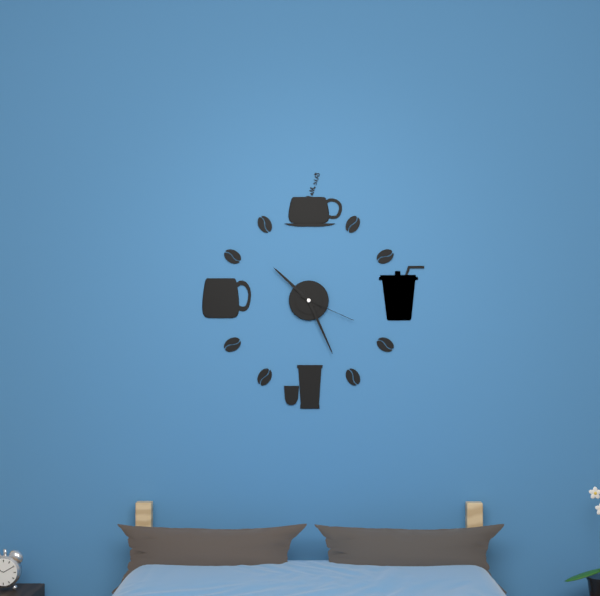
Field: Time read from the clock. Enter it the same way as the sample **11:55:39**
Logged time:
**10:26:19**
